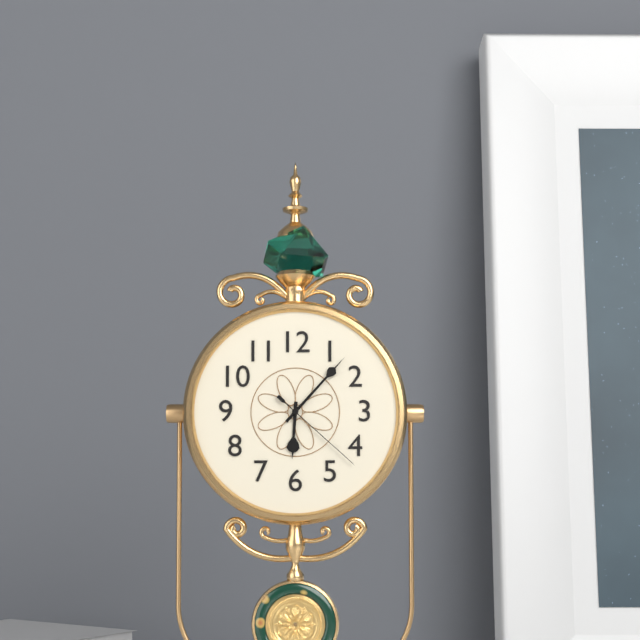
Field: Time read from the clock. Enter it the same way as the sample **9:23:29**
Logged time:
**6:07:22**
